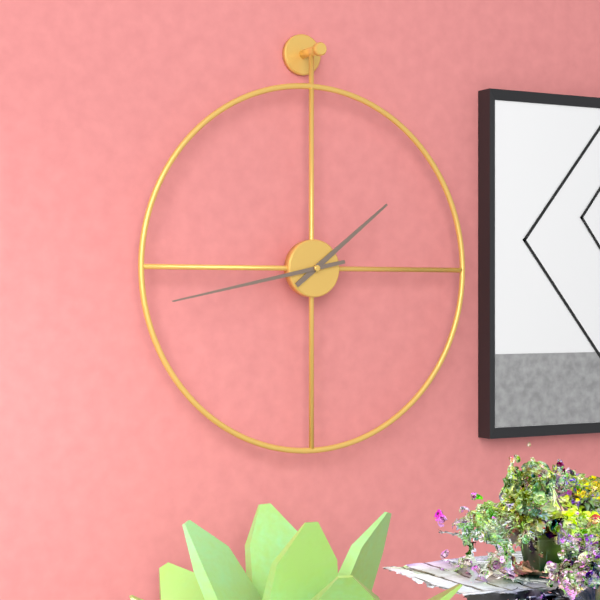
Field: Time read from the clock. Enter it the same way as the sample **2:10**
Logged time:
**1:43**
